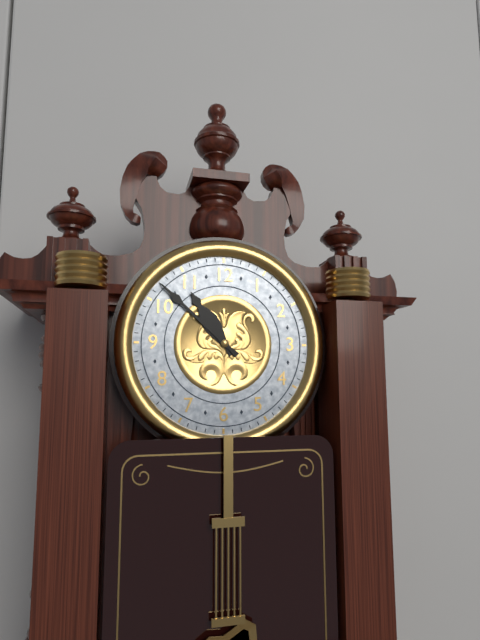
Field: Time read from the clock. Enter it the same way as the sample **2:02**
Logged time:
**10:52**
